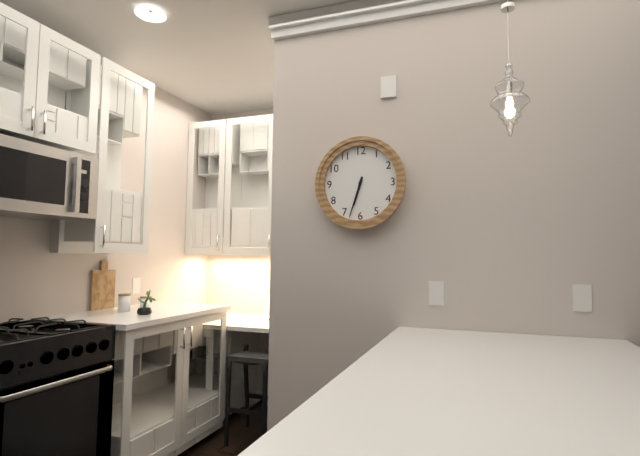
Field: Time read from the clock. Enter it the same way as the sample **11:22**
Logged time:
**6:33**
